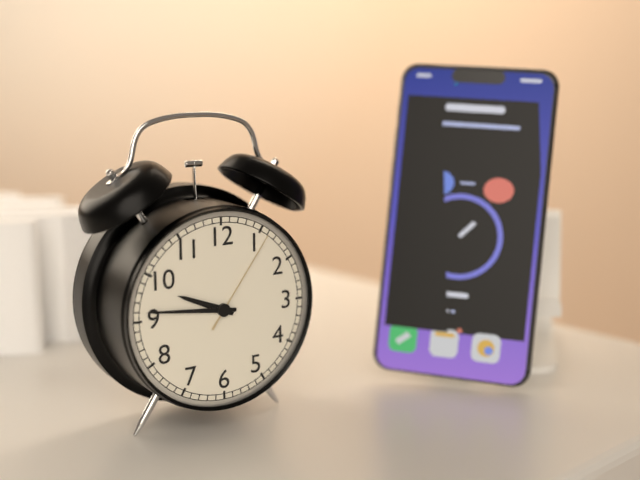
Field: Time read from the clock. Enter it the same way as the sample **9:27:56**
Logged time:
**9:46:06**
